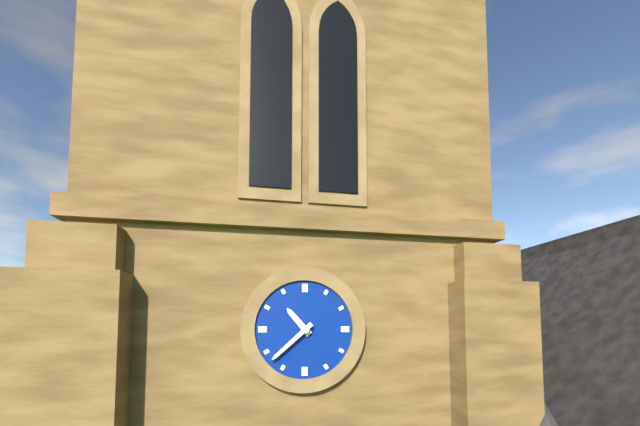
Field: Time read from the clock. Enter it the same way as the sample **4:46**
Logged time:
**10:38**
